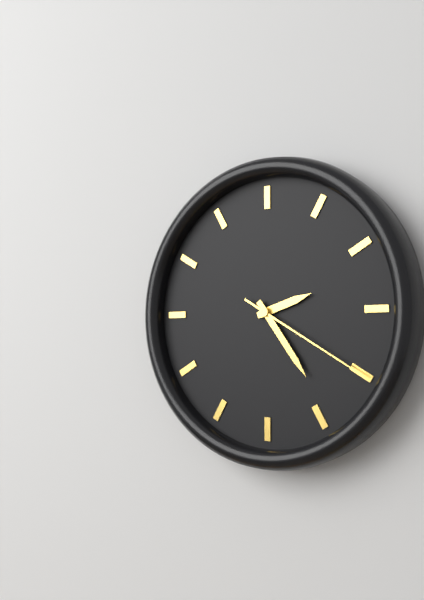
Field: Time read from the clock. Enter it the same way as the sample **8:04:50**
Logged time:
**2:24:20**
